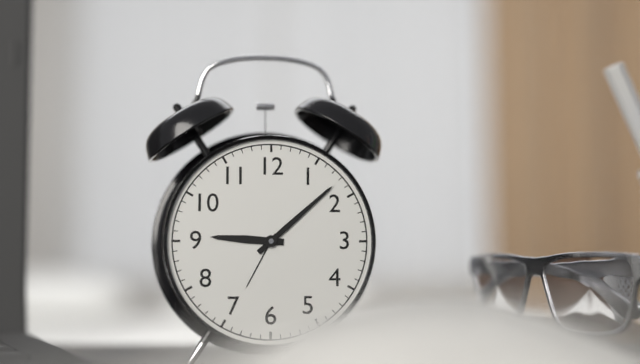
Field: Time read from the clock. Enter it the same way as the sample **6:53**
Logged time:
**9:08**
